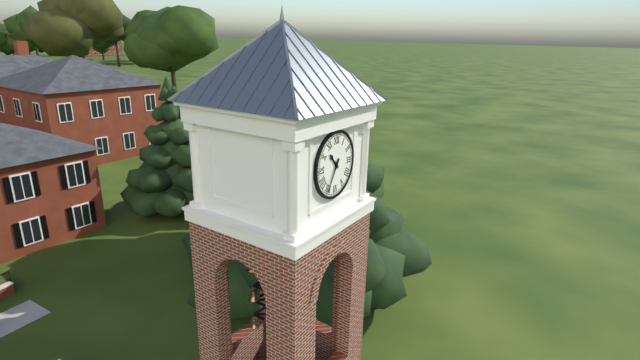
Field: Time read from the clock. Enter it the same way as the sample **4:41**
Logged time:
**10:35**
